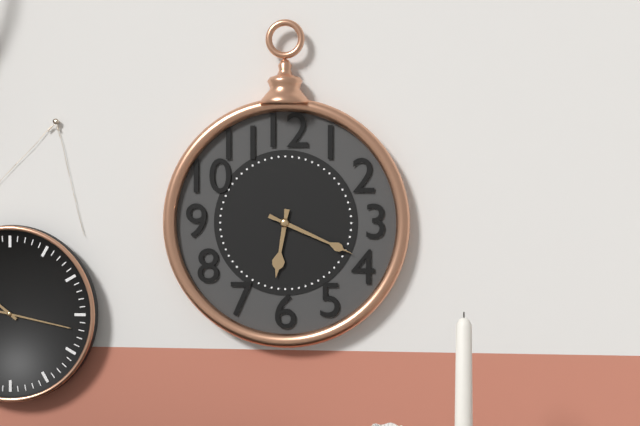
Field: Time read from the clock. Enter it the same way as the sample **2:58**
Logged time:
**6:19**
